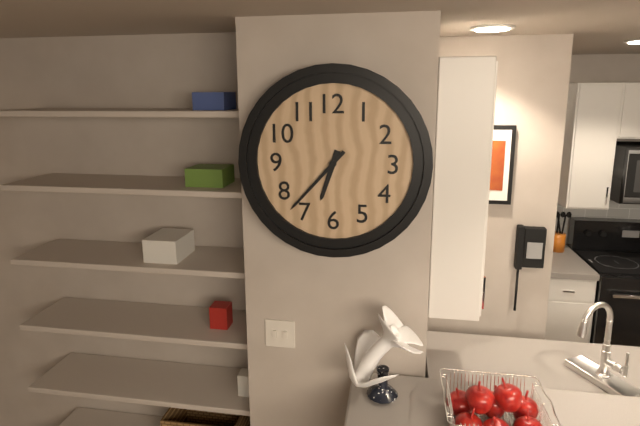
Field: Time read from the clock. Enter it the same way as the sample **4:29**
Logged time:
**6:37**
